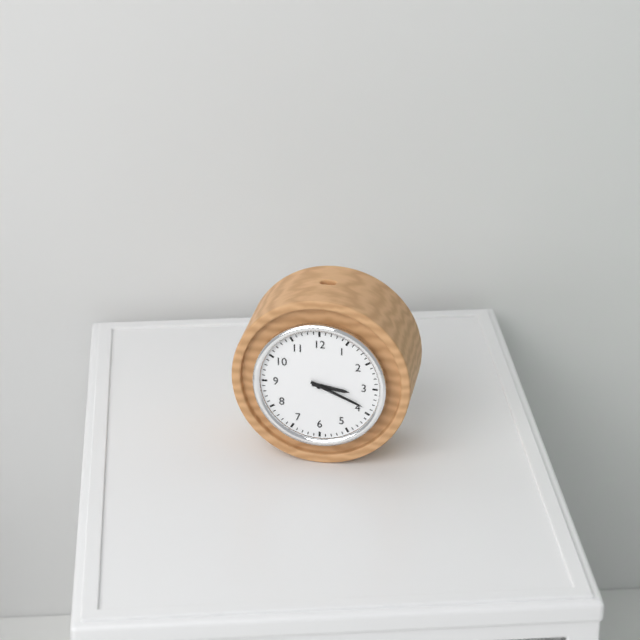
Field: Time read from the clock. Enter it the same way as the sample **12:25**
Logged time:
**3:19**
